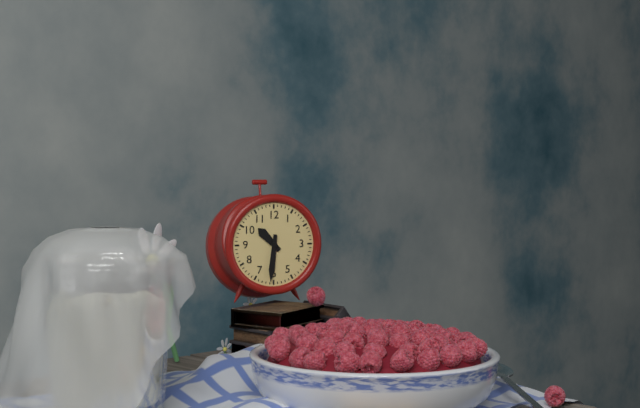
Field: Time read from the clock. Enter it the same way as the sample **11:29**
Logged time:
**10:31**
